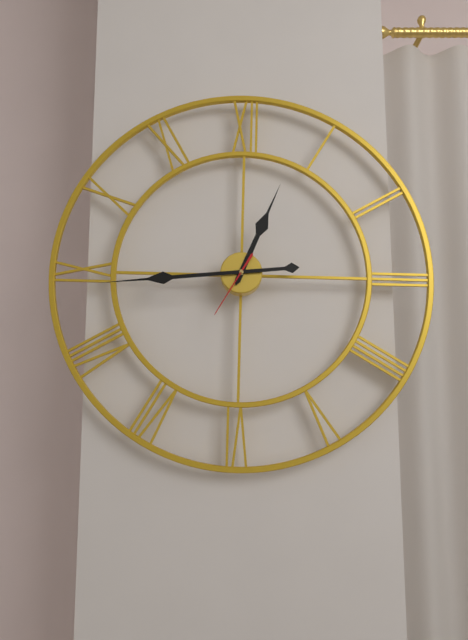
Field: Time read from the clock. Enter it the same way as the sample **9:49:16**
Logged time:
**12:44:35**
